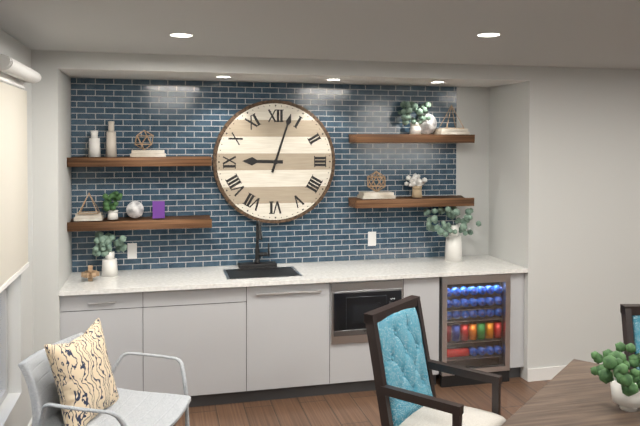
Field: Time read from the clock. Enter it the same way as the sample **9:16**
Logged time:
**9:03**
